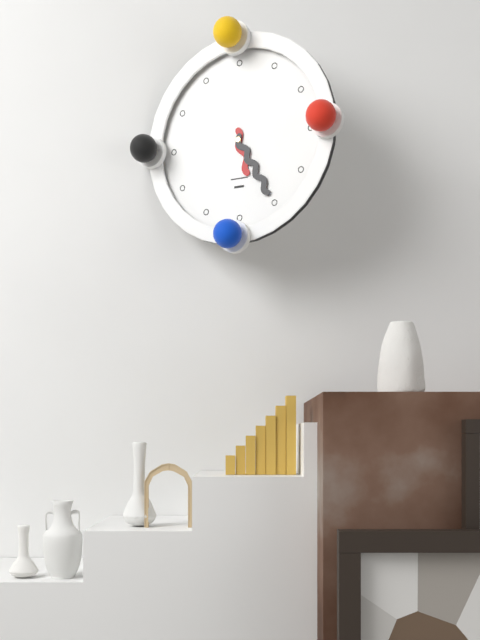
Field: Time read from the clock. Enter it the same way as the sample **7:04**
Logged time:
**5:25**
